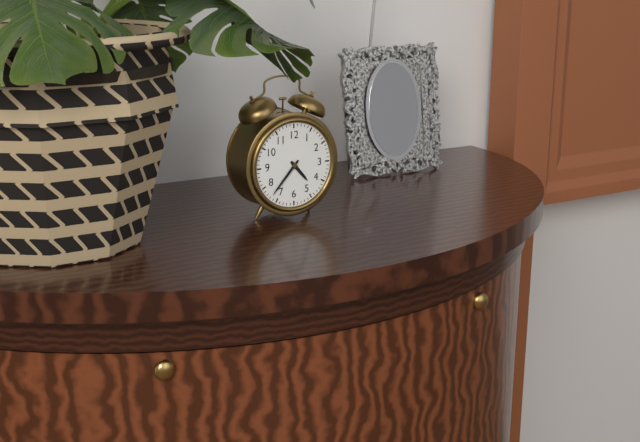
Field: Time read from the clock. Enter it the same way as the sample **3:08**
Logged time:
**4:37**
